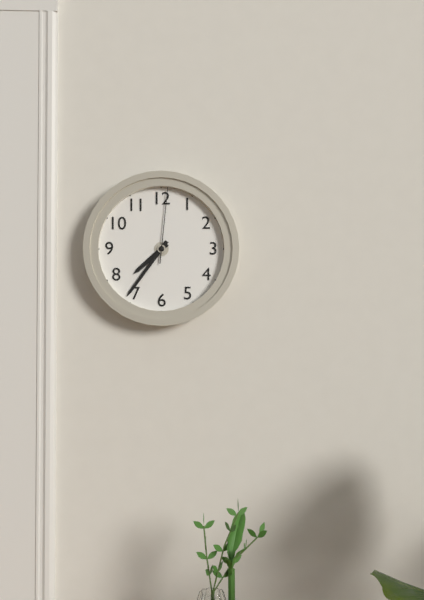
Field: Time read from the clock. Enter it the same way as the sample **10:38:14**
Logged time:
**7:36:01**
